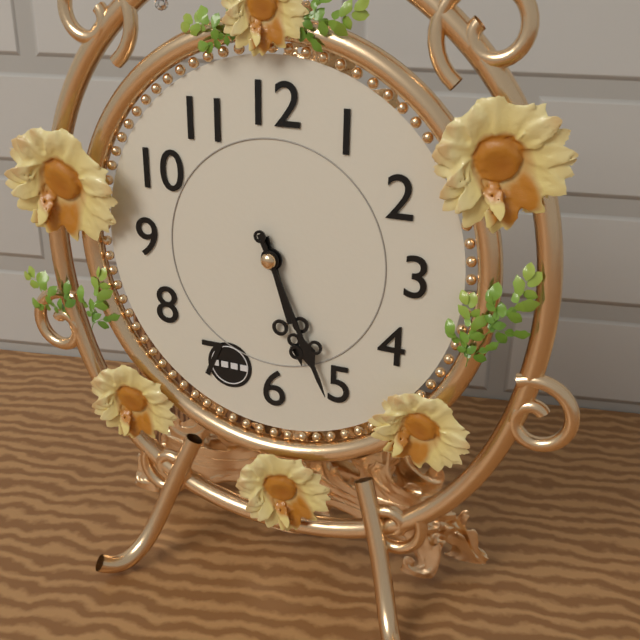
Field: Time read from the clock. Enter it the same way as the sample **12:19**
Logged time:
**5:26**
